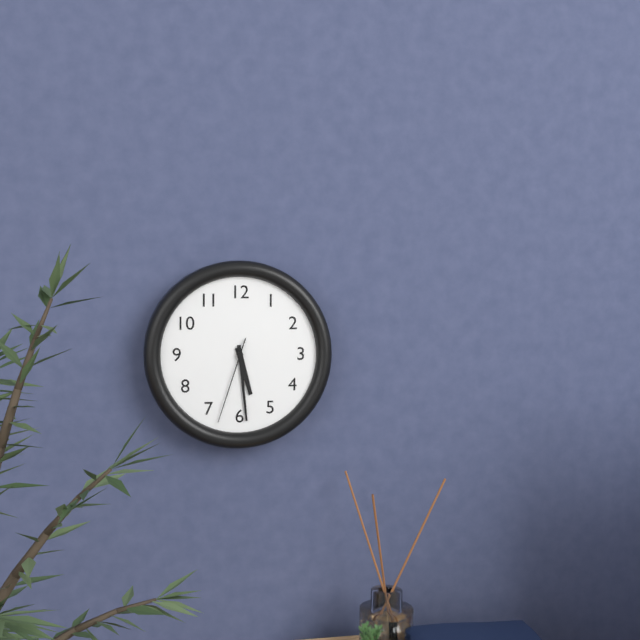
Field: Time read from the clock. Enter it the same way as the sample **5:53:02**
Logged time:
**5:29:33**
